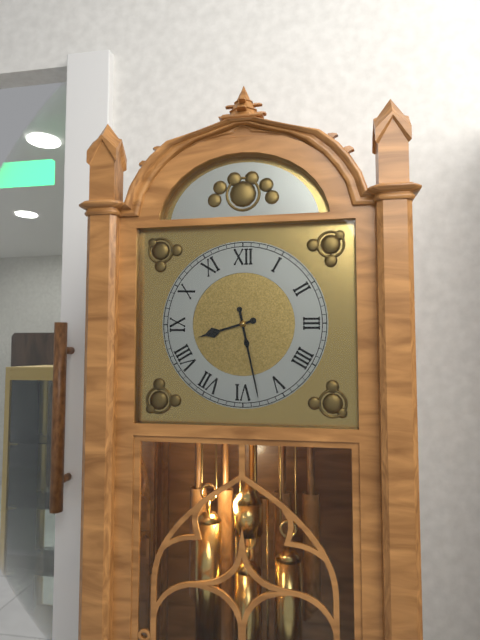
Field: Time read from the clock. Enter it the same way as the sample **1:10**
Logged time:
**8:28**
